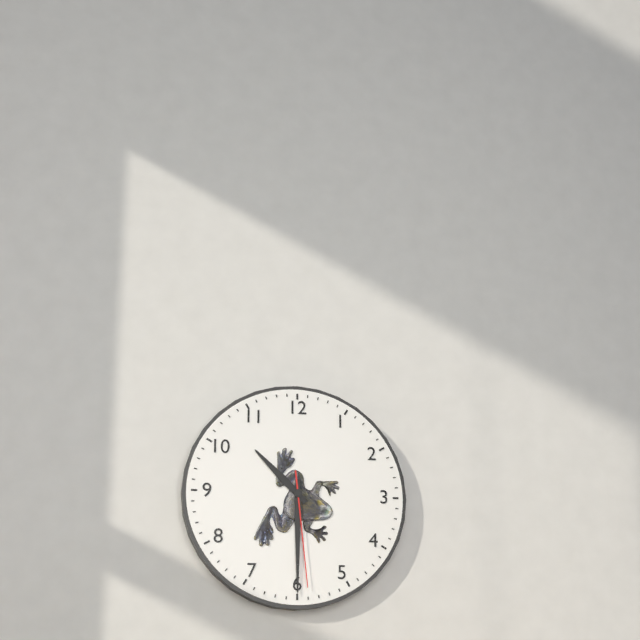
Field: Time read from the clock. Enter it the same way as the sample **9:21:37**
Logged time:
**10:30:29**
